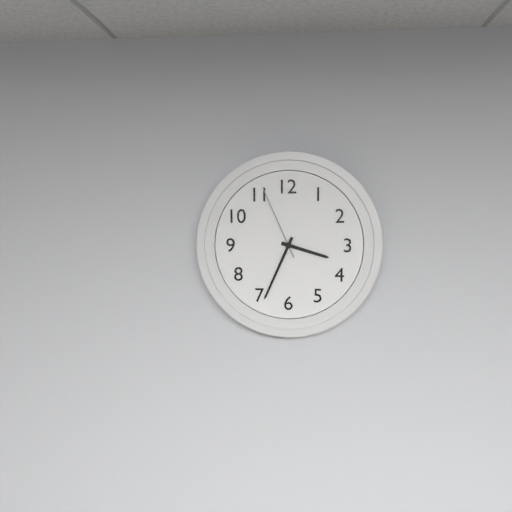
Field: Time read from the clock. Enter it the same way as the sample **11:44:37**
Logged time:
**3:34:56**
